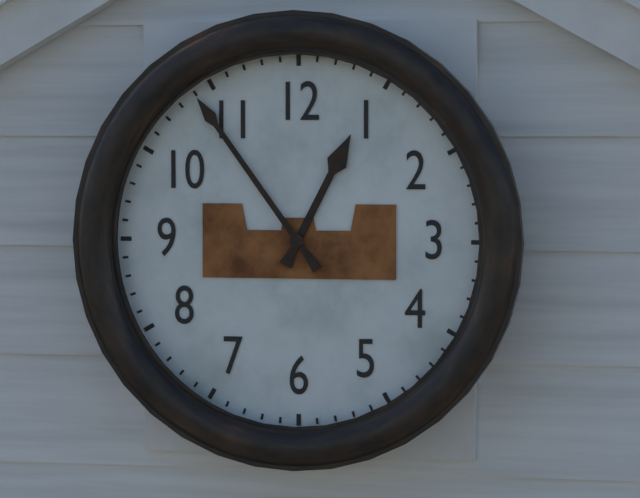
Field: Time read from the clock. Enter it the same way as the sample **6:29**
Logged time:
**12:54**
